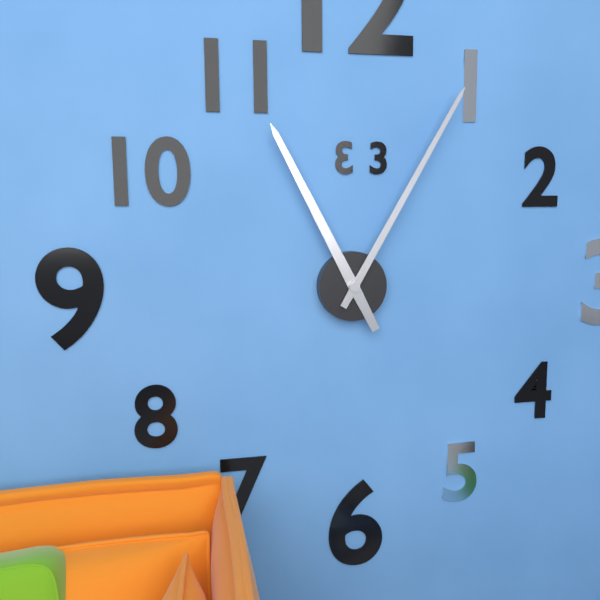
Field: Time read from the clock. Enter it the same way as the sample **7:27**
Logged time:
**11:05**
